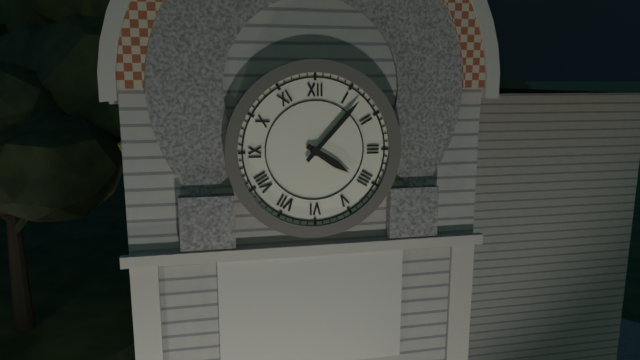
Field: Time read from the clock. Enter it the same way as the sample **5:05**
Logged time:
**4:07**
